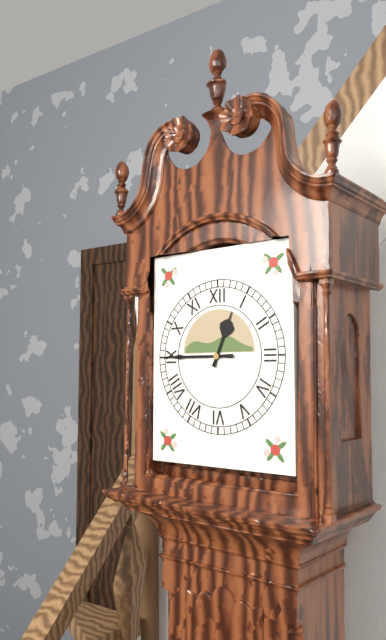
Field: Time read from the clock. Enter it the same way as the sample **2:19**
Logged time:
**12:45**
